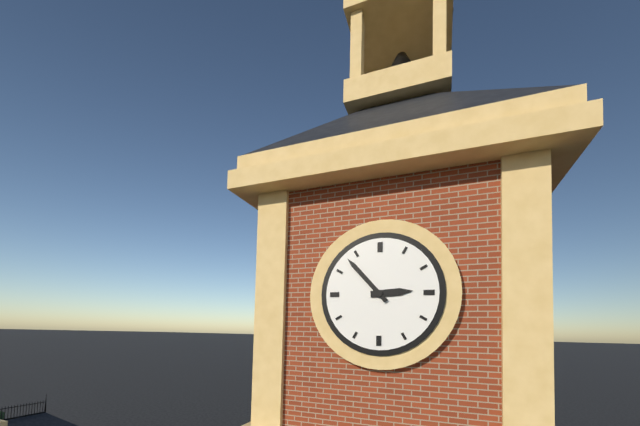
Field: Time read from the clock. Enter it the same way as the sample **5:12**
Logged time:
**2:53**
